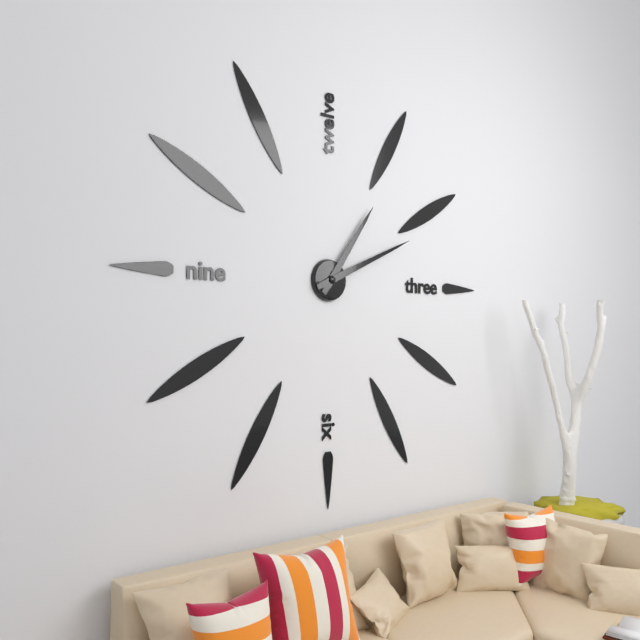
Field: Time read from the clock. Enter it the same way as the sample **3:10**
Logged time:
**1:11**
